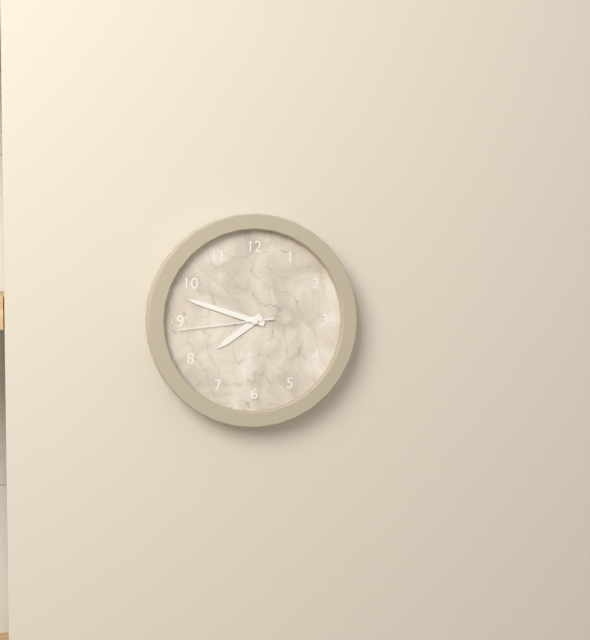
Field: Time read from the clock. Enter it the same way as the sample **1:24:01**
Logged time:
**7:48:44**
